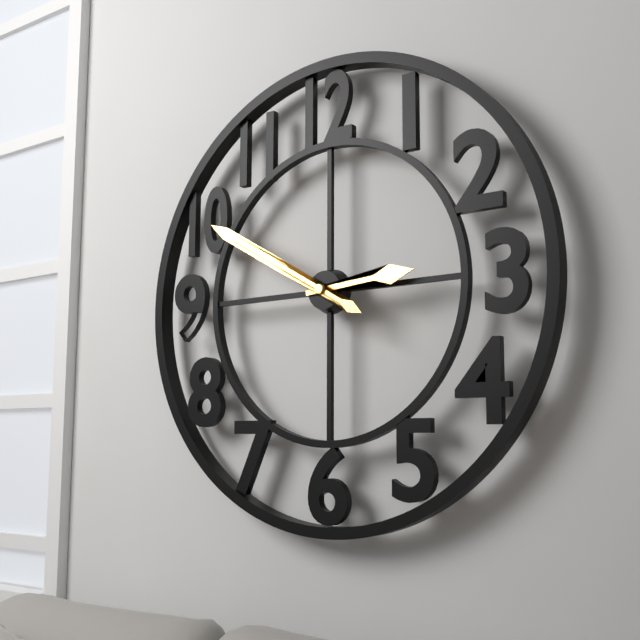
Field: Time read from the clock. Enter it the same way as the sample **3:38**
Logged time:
**2:50**
